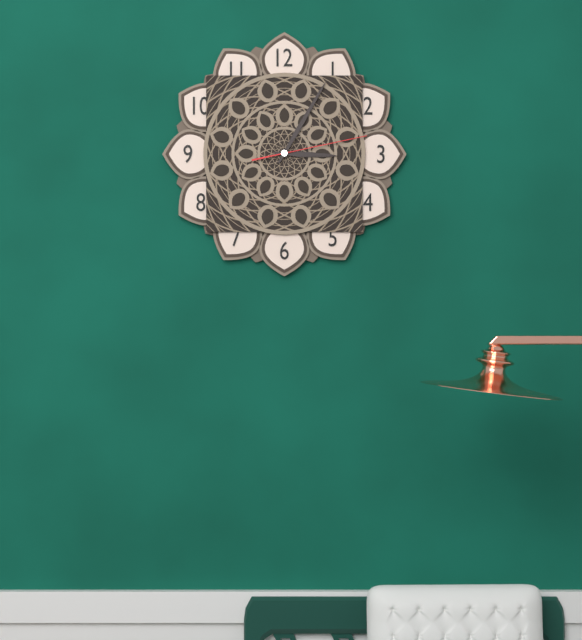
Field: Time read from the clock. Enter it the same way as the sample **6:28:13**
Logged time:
**3:05:13**
